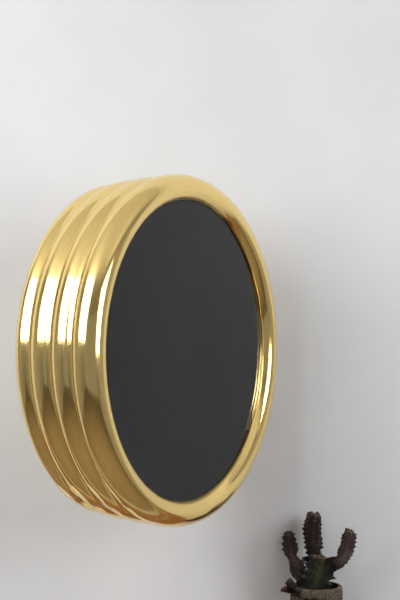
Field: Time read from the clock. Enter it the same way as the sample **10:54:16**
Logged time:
**11:17:39**
